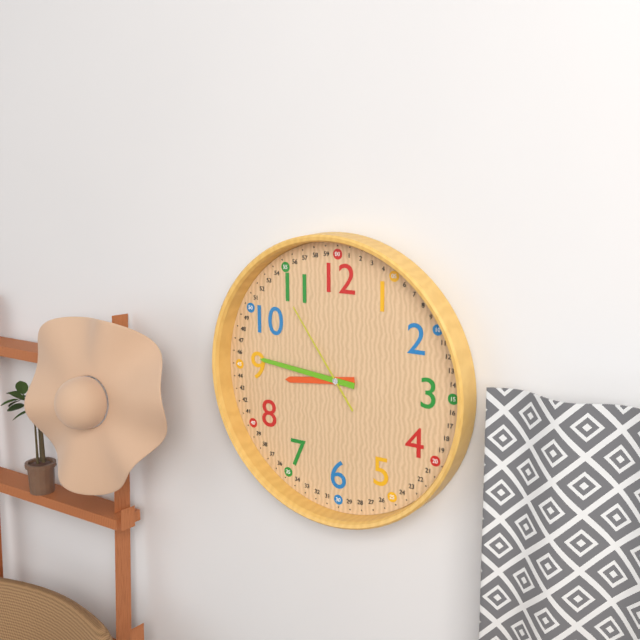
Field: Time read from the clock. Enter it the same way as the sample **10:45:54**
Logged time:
**8:46:54**
